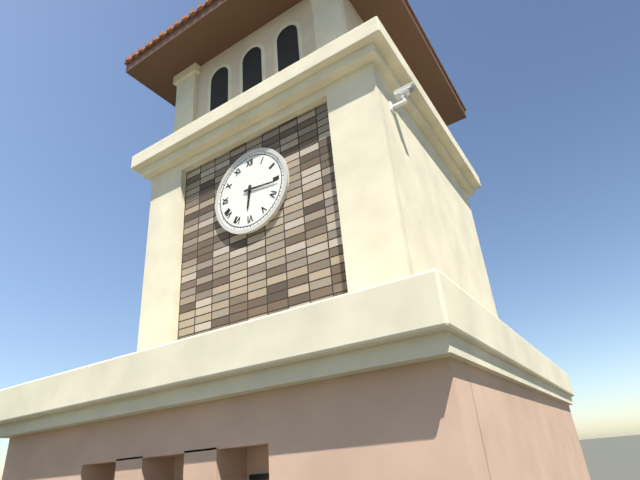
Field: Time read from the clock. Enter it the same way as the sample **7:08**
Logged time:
**6:16**
